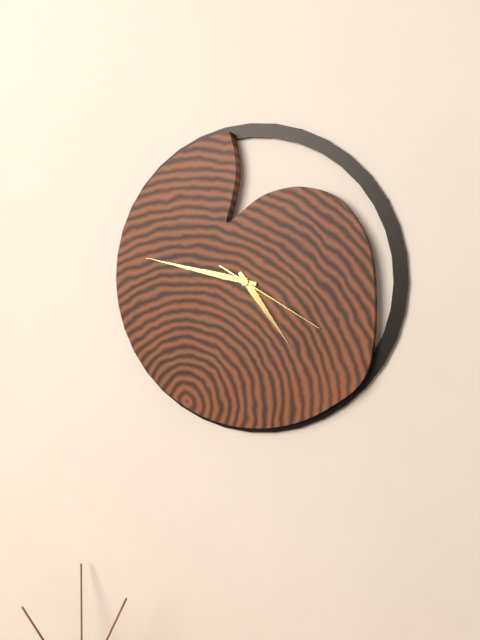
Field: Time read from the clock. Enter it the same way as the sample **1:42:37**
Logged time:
**4:47:20**
